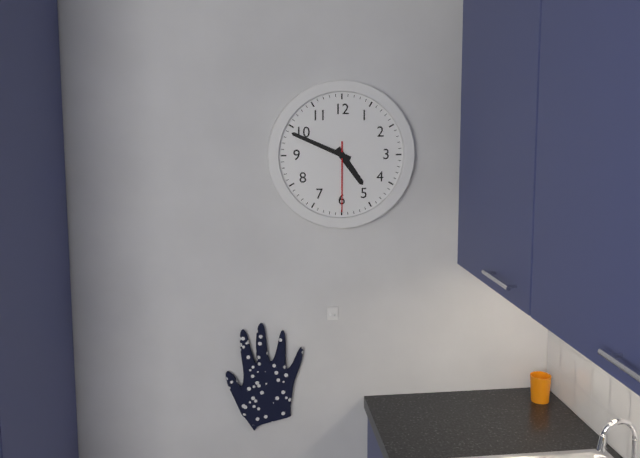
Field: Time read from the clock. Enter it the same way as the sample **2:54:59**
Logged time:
**4:49:30**
